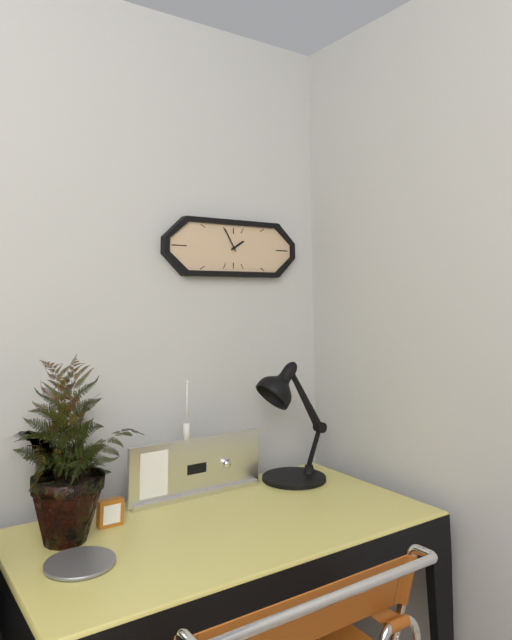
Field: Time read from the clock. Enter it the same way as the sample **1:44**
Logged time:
**1:55**
